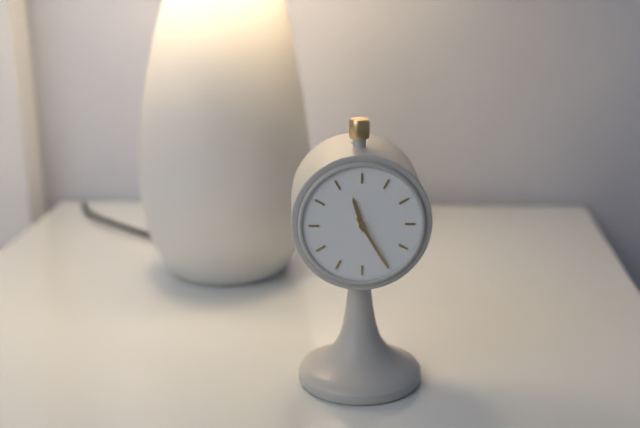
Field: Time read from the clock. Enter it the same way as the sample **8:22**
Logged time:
**11:25**
